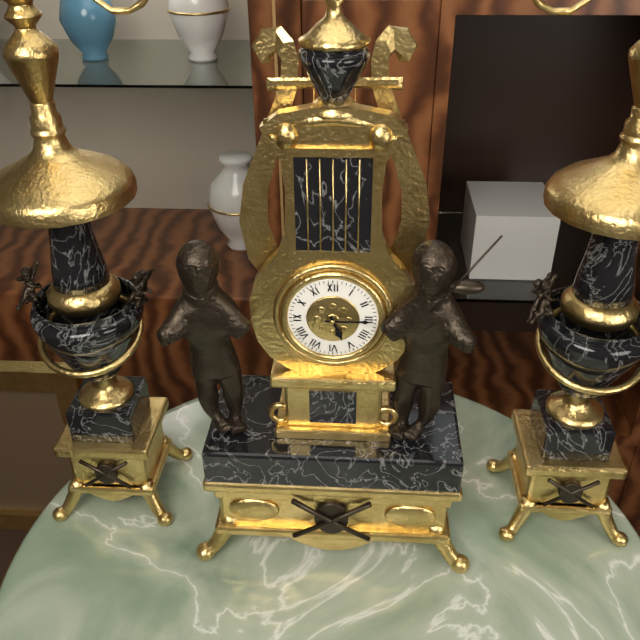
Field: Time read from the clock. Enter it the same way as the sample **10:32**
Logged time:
**5:15**
